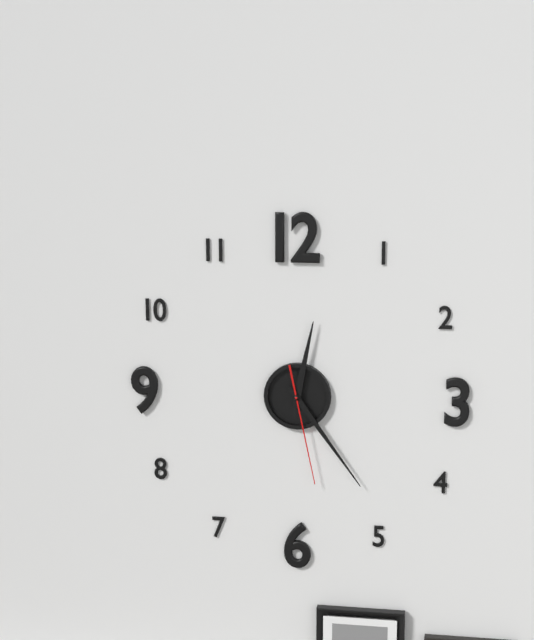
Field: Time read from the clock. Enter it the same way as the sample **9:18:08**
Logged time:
**12:24:28**
